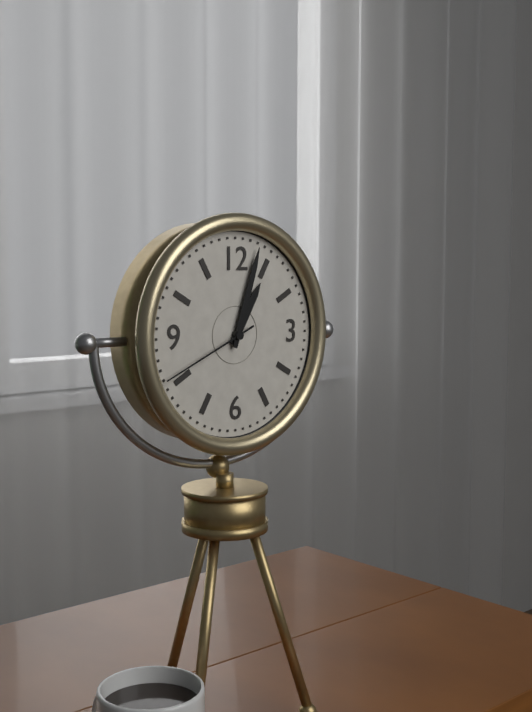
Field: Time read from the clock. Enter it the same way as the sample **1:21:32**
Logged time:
**1:03:41**
